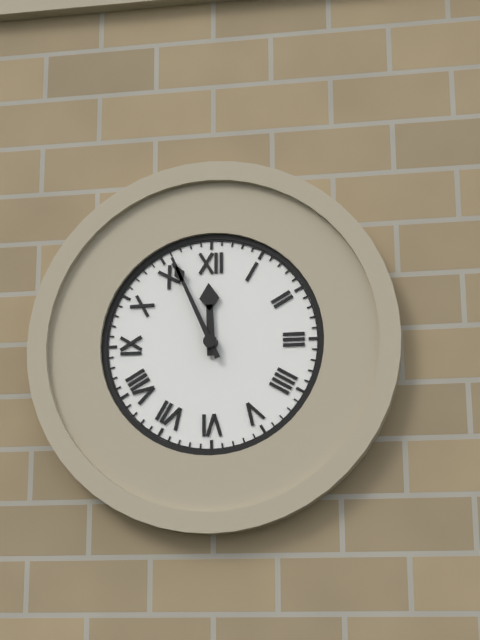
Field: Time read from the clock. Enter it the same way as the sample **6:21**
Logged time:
**11:56**
